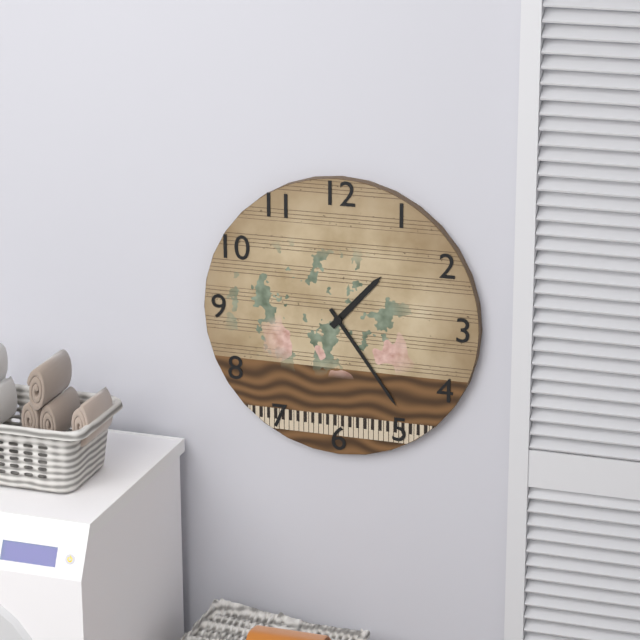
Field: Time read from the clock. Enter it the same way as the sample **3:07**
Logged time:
**1:24**
